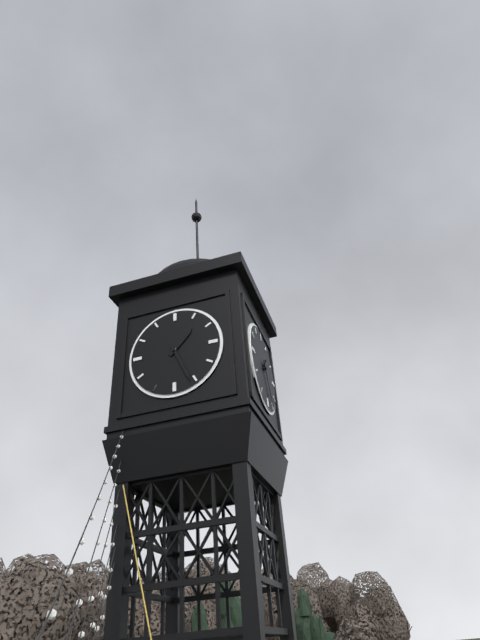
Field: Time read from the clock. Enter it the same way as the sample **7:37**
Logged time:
**1:26**
